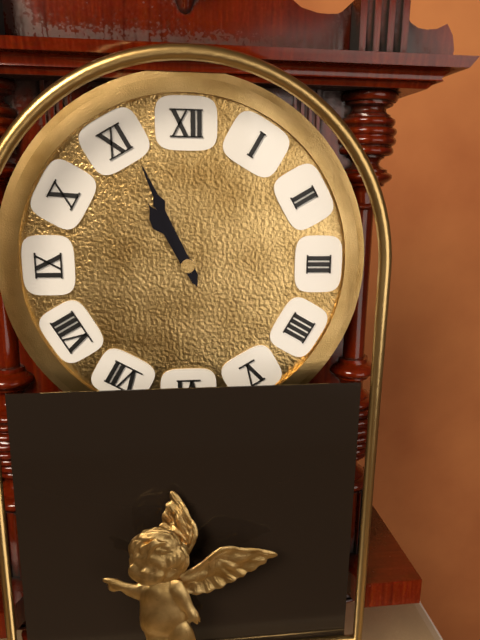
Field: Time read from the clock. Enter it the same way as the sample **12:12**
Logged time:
**10:56**
